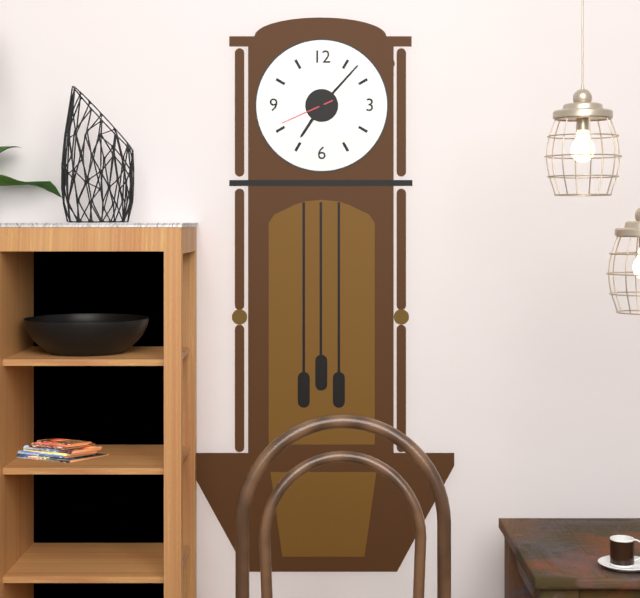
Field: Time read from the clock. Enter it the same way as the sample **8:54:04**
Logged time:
**7:07:41**
